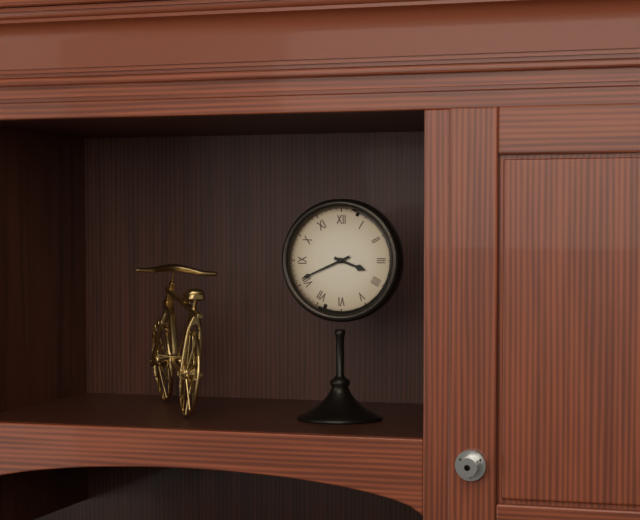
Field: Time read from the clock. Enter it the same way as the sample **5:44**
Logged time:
**3:41**
